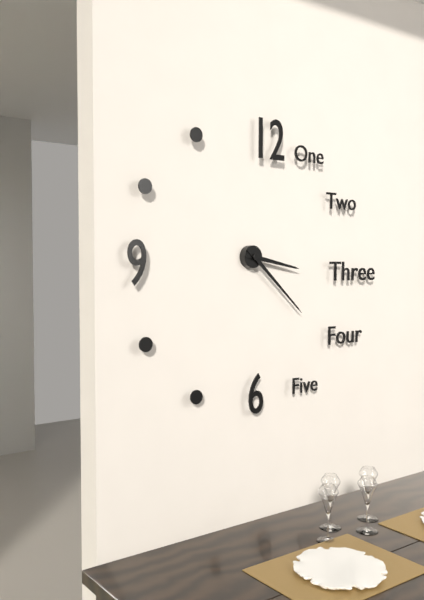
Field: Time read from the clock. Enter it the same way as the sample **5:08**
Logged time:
**3:22**
